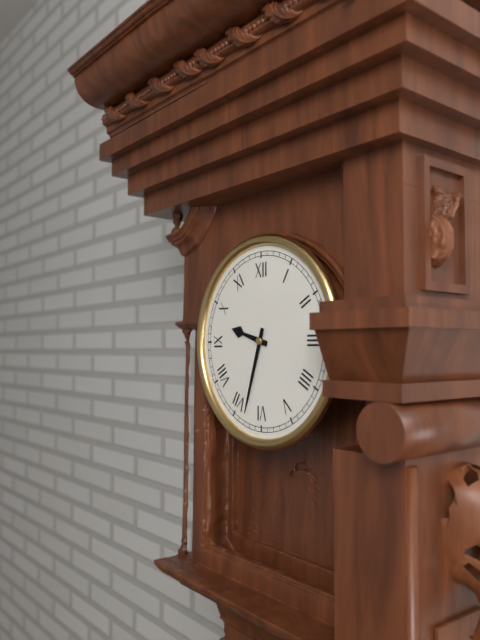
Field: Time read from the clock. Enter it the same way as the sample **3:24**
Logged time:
**9:33**
